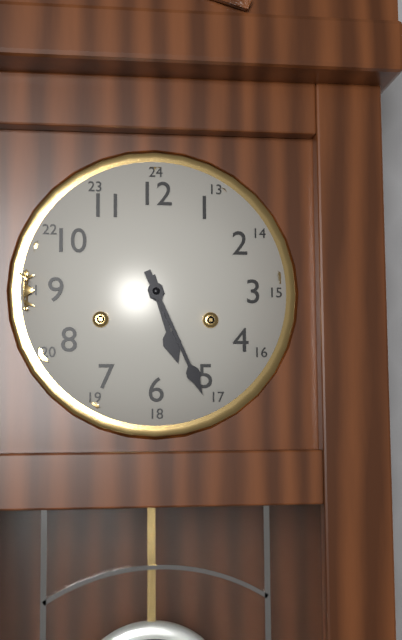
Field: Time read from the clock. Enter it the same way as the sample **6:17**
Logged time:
**5:26**
